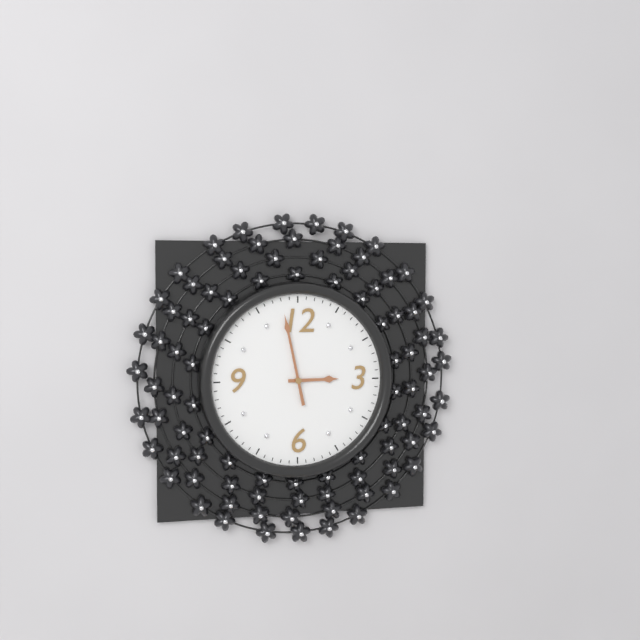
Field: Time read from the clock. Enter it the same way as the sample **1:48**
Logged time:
**2:58**
